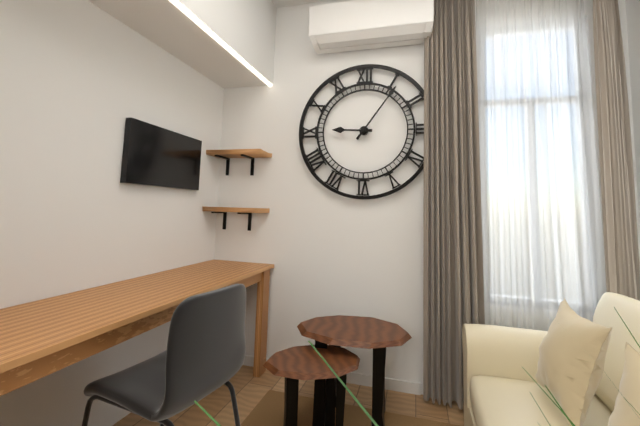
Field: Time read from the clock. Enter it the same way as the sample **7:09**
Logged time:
**9:06**
